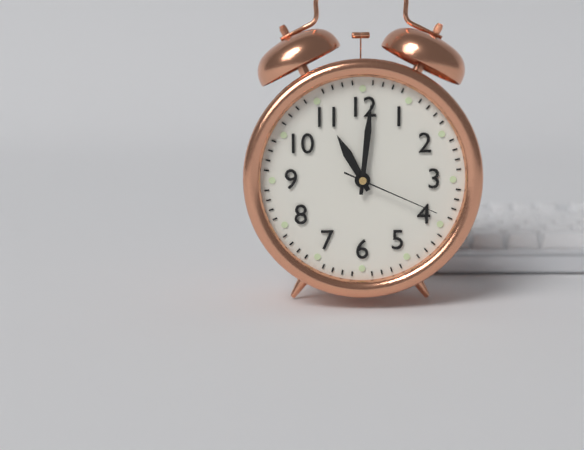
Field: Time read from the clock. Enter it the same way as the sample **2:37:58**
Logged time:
**11:01:19**
